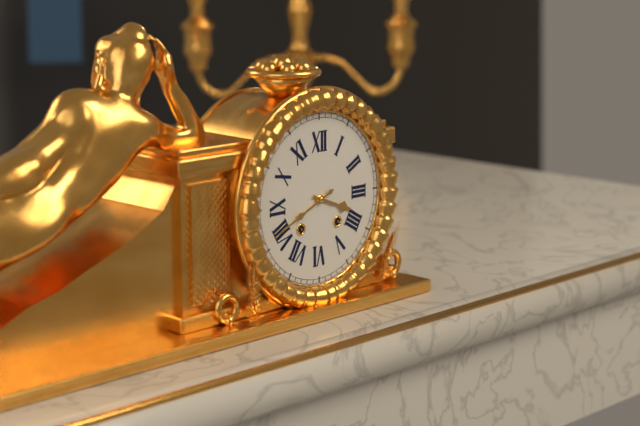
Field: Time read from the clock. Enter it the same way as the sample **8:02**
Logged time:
**3:41**
